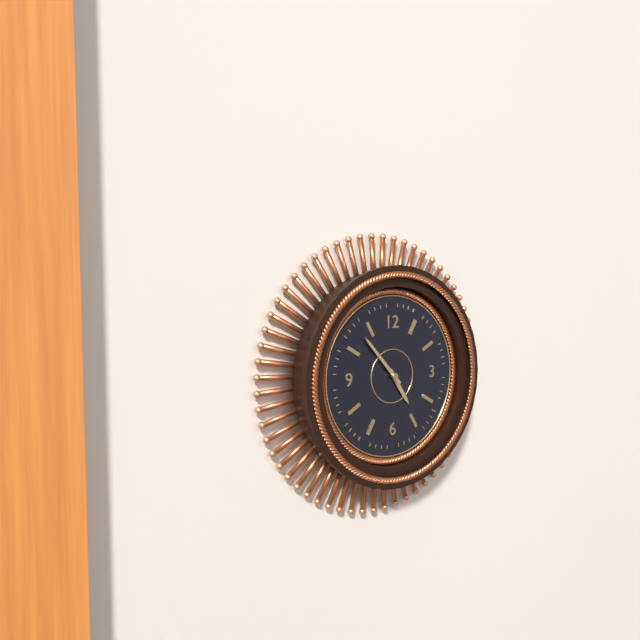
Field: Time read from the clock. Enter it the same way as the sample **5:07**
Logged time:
**4:53**
